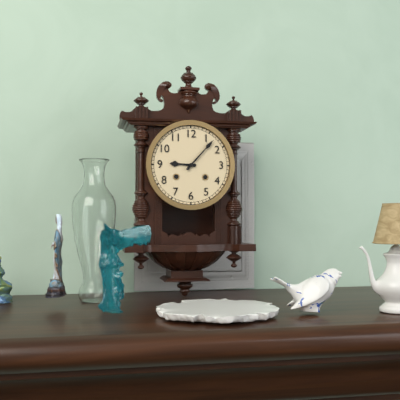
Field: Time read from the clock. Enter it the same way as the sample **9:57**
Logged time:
**9:07**
